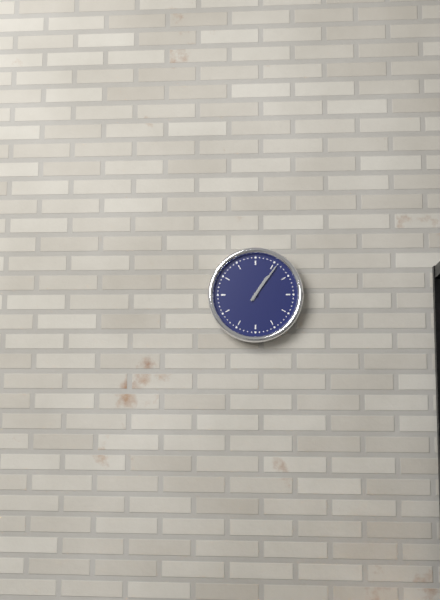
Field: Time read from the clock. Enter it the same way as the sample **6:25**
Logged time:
**1:06**
